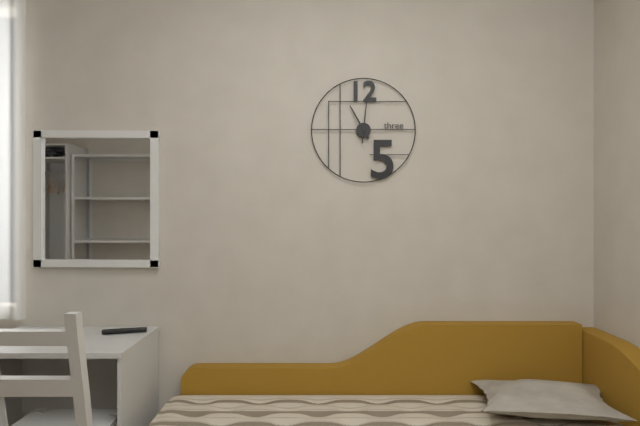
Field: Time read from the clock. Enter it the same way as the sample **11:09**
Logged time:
**11:01**
